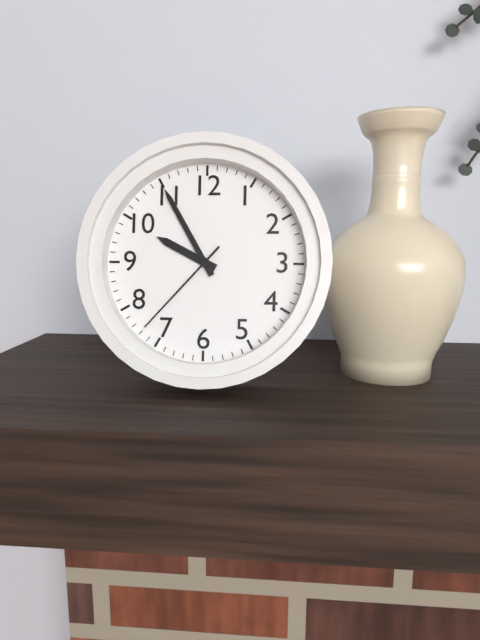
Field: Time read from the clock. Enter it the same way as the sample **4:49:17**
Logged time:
**9:55:37**
